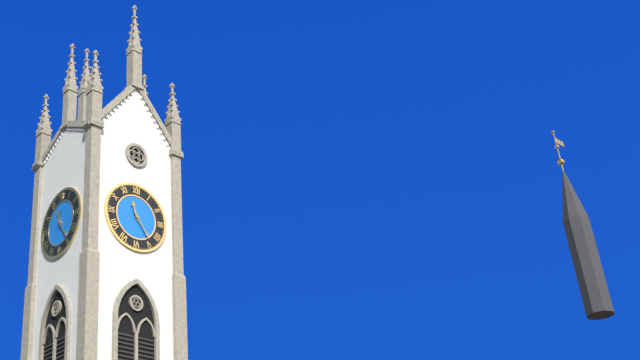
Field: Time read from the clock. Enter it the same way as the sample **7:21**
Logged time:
**11:24**
